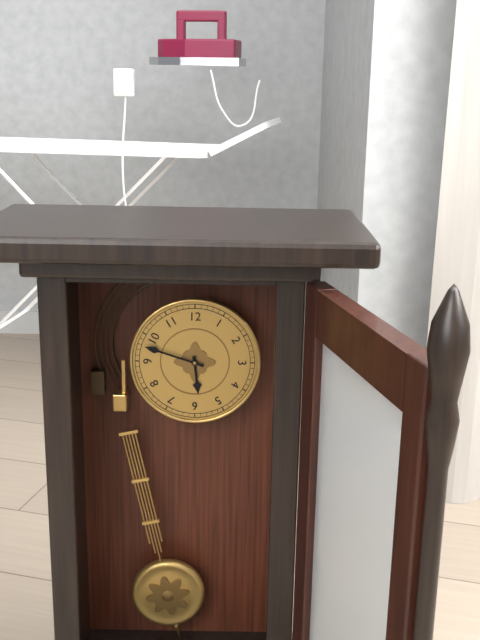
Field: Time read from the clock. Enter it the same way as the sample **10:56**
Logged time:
**5:48**
